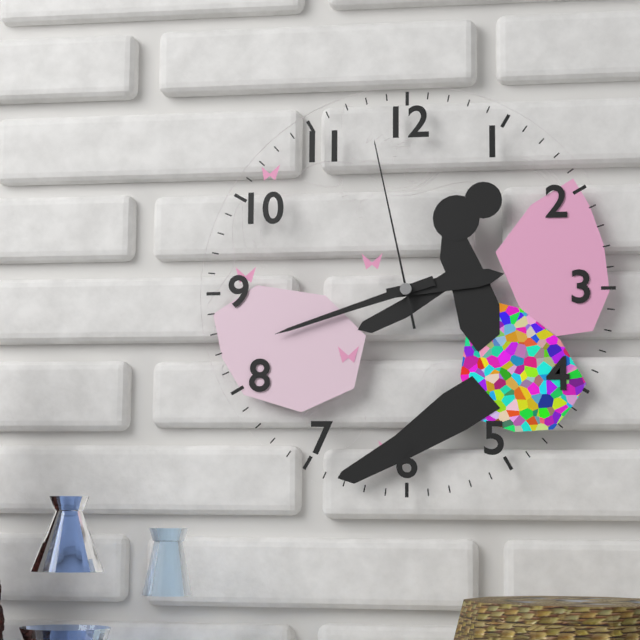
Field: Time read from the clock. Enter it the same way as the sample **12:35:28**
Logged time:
**2:42:58**
